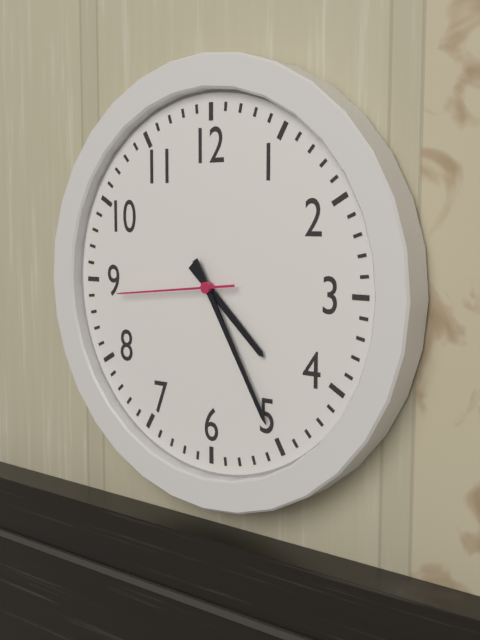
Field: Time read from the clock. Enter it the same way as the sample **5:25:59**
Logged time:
**4:25:44**
